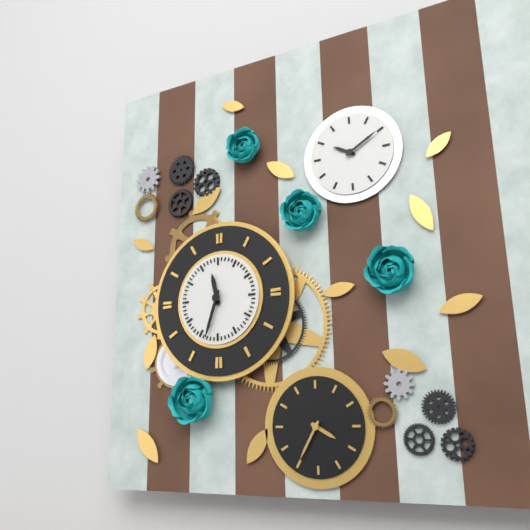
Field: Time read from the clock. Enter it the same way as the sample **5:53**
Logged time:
**11:33**
